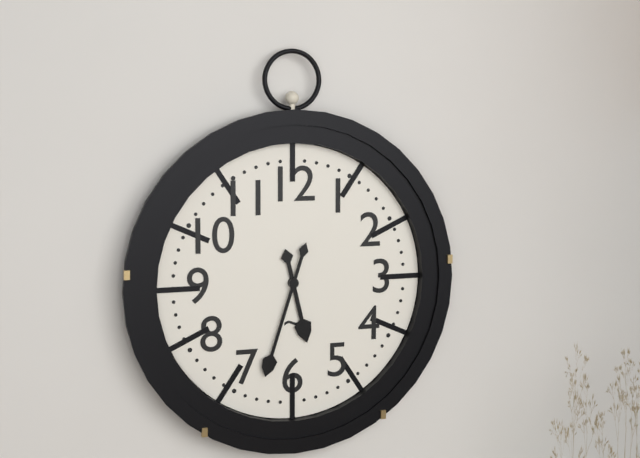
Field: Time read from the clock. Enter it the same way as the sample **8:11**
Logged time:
**5:33**
